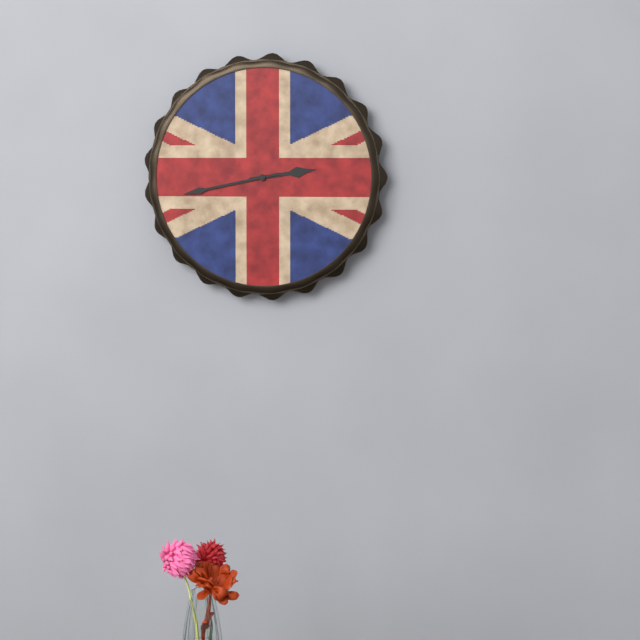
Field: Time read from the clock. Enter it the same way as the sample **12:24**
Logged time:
**2:43**
